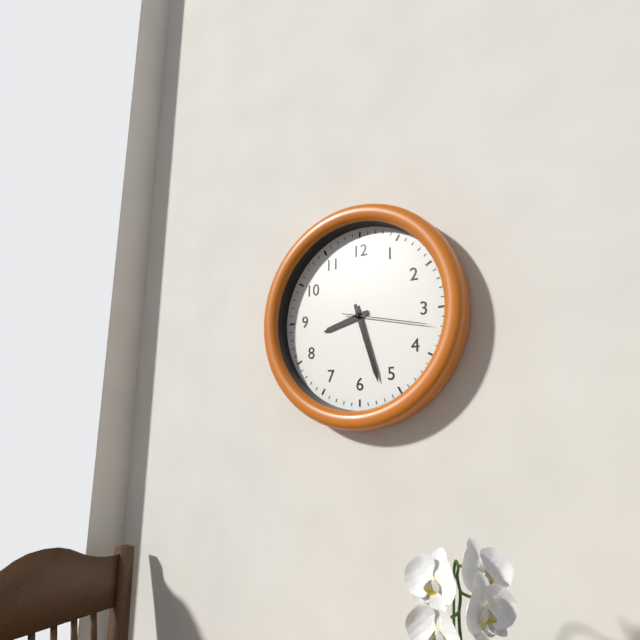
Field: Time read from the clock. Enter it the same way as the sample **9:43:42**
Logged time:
**8:27:17**
